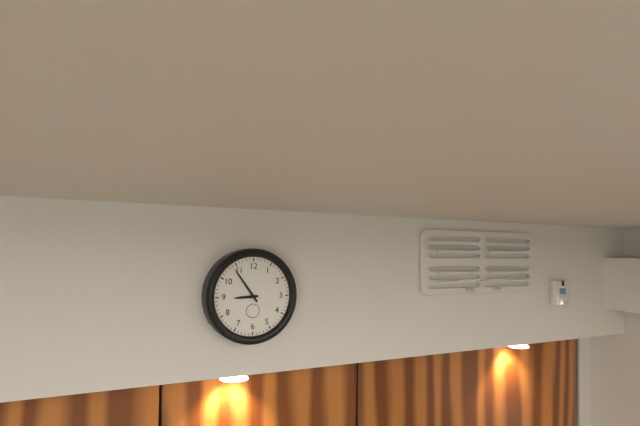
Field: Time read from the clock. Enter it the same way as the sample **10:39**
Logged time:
**8:54**
